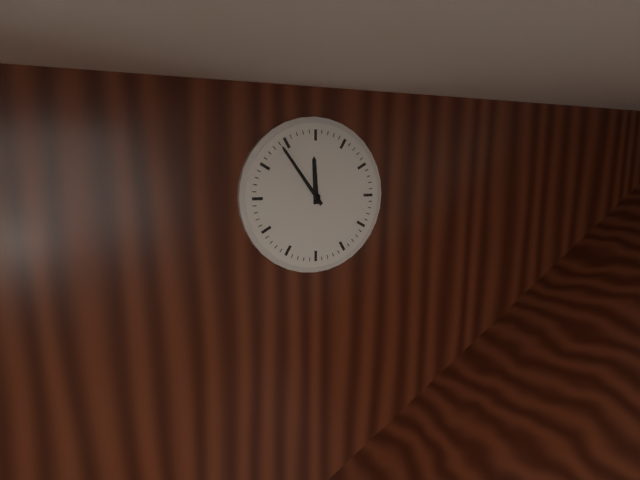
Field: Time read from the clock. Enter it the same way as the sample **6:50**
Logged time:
**11:54**
